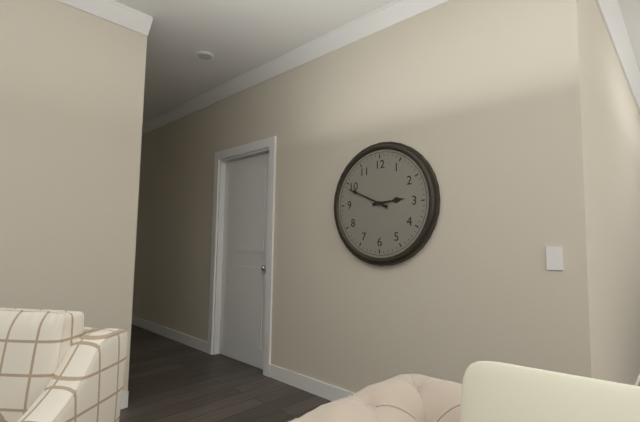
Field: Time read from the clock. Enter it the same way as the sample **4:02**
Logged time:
**2:49**
